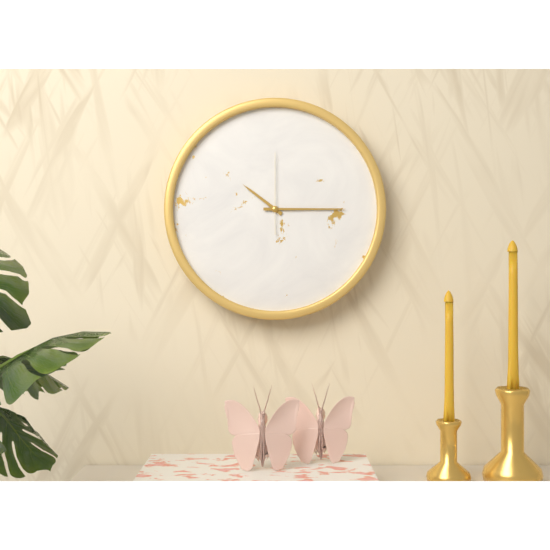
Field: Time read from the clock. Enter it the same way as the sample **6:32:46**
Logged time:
**10:15:00**
